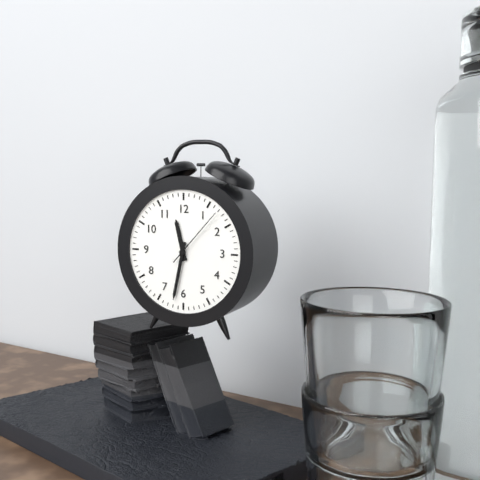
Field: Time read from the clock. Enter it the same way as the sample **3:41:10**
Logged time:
**11:32:07**
